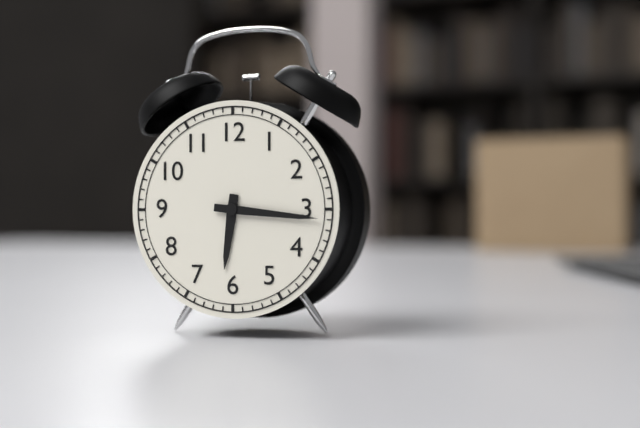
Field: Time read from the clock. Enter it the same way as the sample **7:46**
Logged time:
**6:16**
